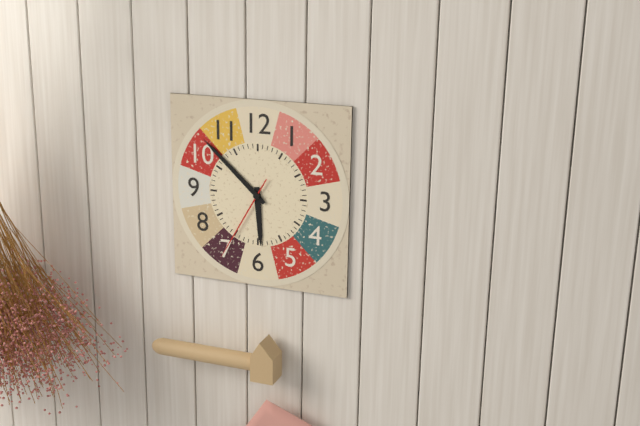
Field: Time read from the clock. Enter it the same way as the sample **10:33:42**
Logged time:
**5:52:35**
